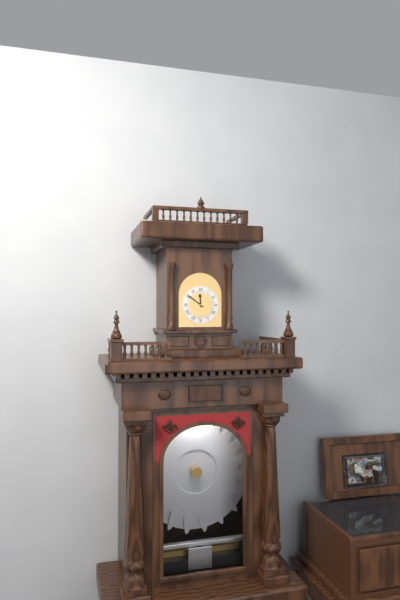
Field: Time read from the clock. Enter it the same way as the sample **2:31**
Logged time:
**11:51**
